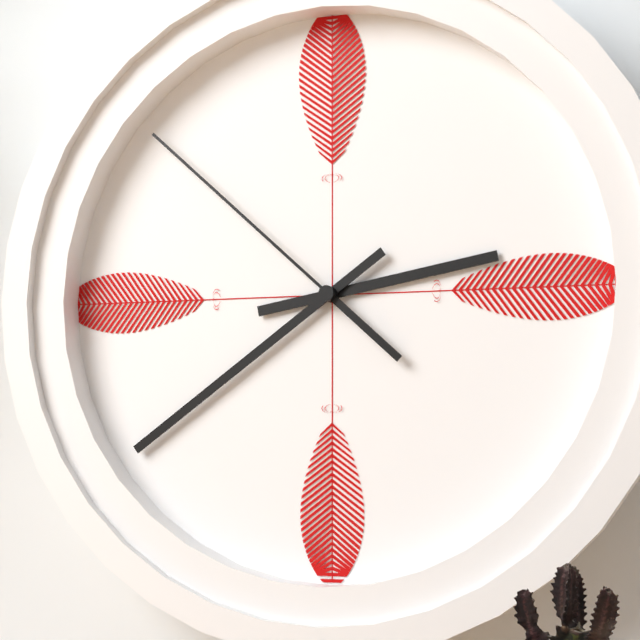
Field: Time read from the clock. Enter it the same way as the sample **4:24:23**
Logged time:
**2:39:52**
